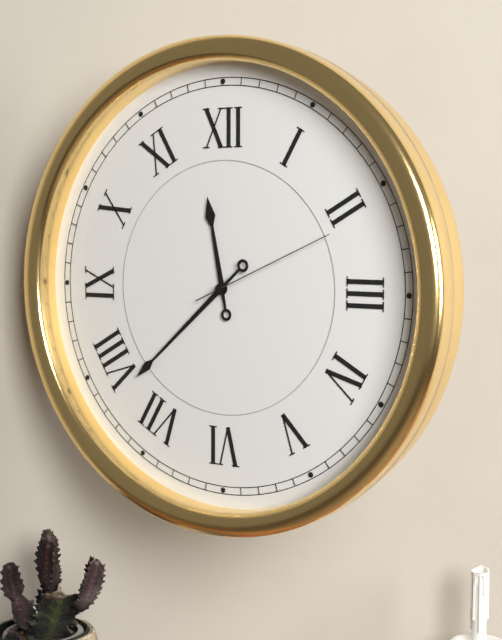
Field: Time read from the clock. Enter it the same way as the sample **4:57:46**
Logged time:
**11:38:11**
